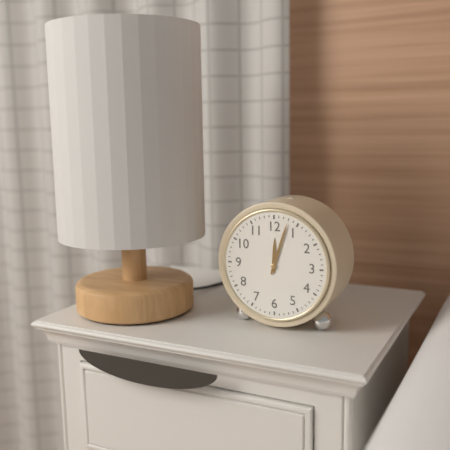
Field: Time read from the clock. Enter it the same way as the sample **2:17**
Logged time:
**12:03**
